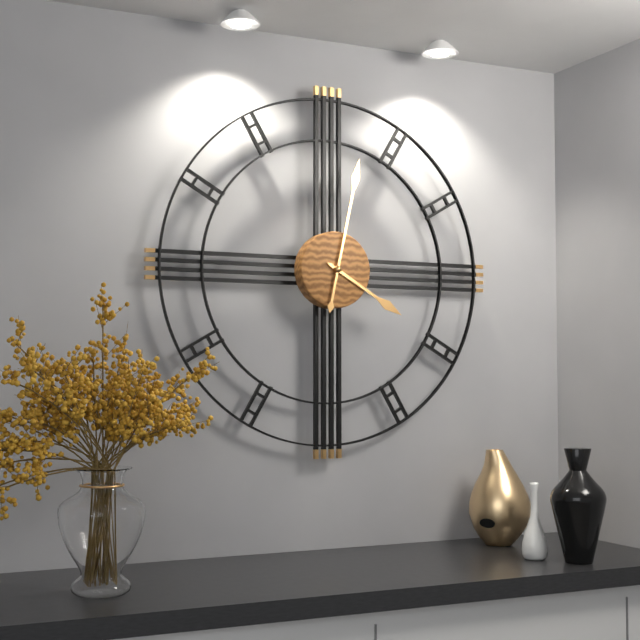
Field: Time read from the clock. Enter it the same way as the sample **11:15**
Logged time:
**4:02**
